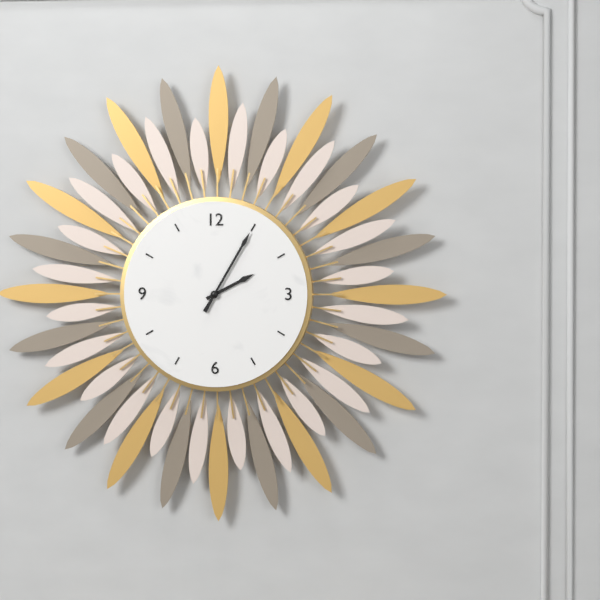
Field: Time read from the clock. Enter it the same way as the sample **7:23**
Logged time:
**2:05**
